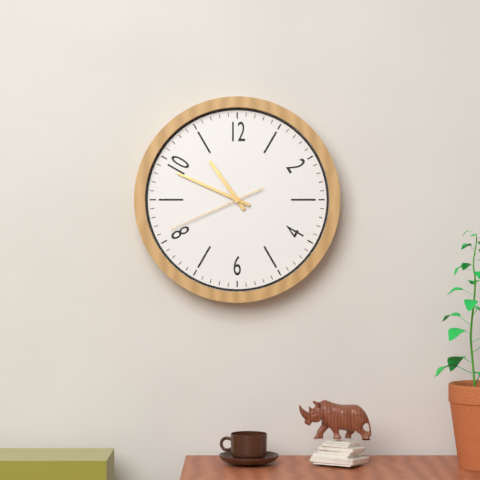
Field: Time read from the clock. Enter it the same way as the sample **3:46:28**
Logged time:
**10:49:41**
